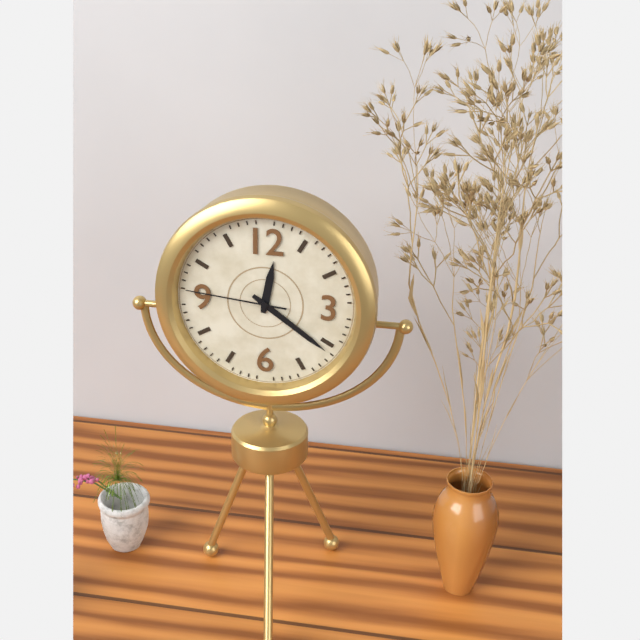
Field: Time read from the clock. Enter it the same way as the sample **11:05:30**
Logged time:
**12:21:46**
